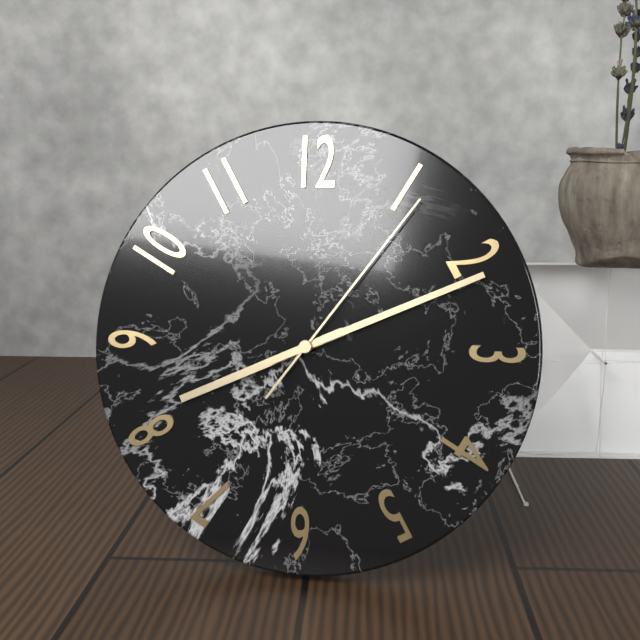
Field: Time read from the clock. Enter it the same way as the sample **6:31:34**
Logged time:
**8:11:06**
